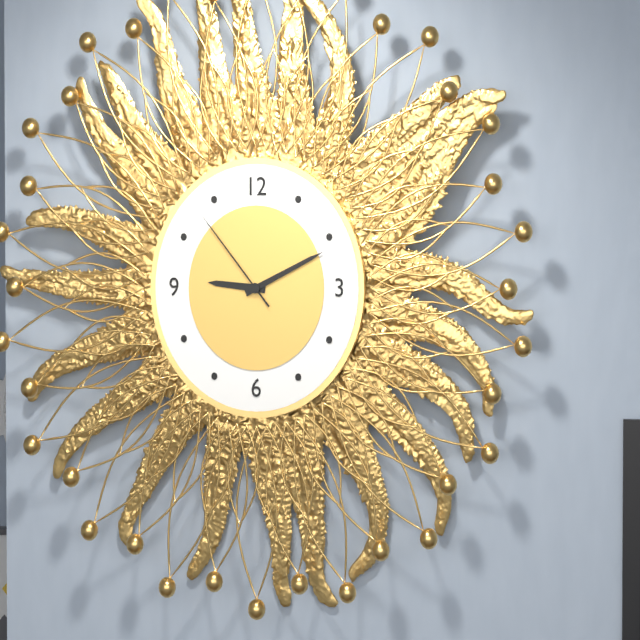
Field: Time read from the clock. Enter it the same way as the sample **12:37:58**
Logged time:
**9:11:53**
